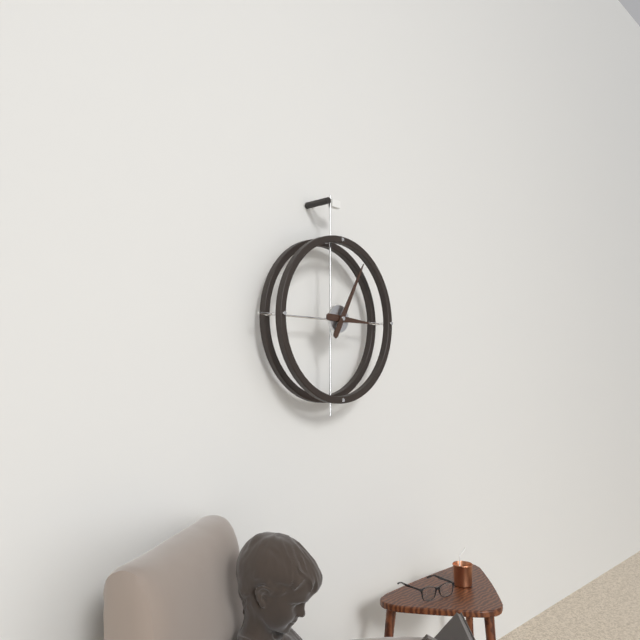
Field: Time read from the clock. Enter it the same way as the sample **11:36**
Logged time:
**3:05**
